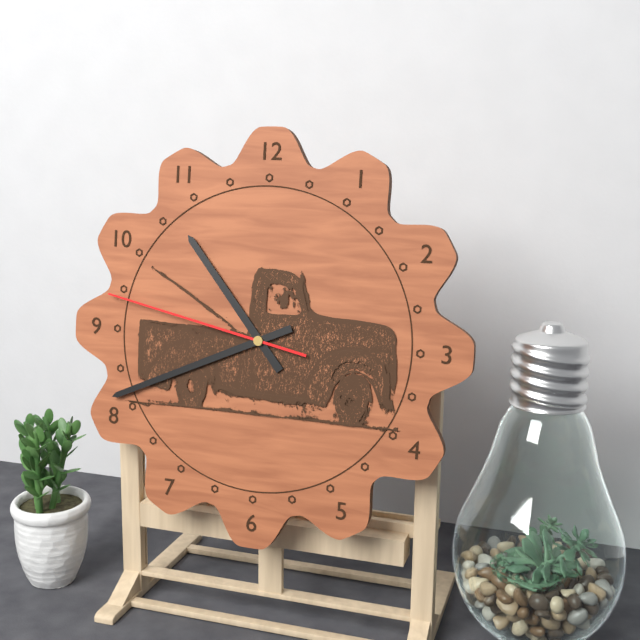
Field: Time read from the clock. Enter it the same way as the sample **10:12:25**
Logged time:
**10:41:47**
